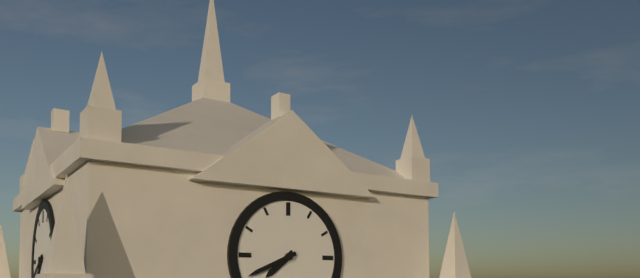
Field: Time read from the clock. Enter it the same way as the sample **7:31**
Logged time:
**7:41**
